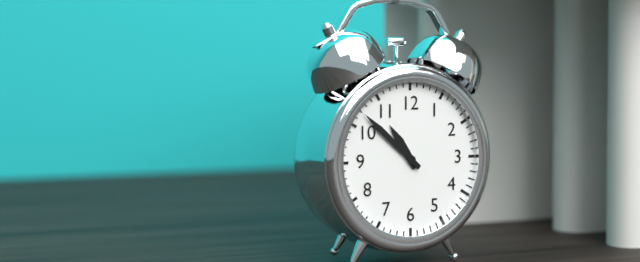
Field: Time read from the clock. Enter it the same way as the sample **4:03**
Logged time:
**10:52**
